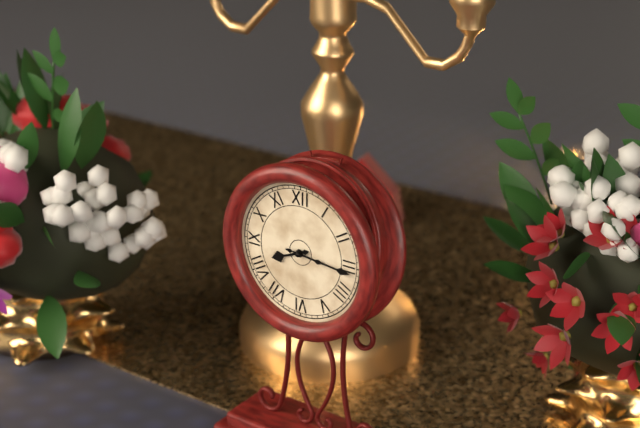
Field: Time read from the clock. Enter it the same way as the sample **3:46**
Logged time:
**8:16**
